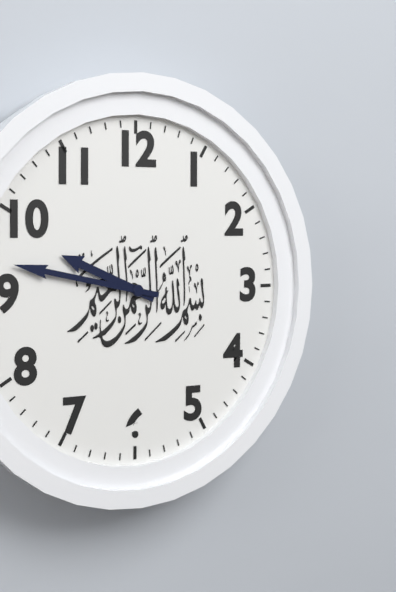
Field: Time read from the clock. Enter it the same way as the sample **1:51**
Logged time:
**9:47**
